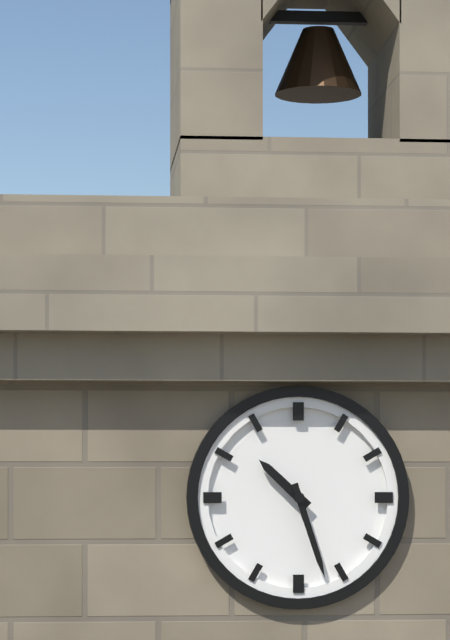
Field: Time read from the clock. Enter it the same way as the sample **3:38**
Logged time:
**10:27**
